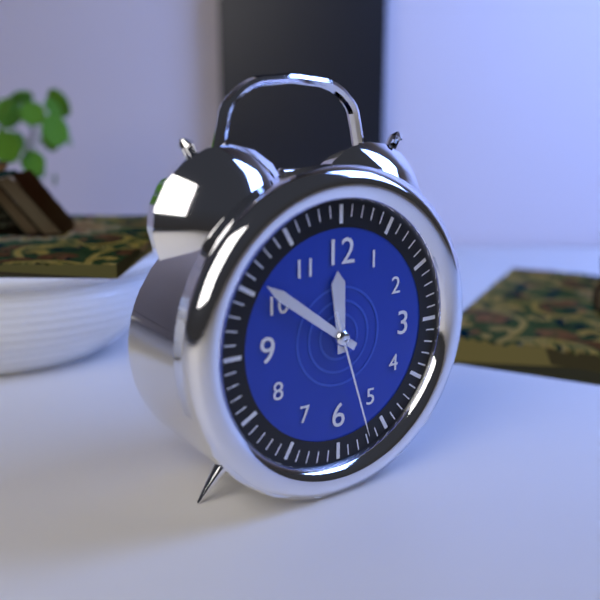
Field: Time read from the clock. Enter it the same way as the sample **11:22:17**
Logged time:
**11:51:27**
